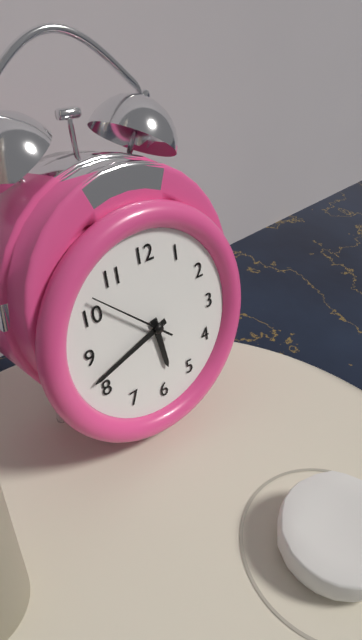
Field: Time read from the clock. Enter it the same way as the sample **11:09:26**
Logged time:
**5:42:52**
